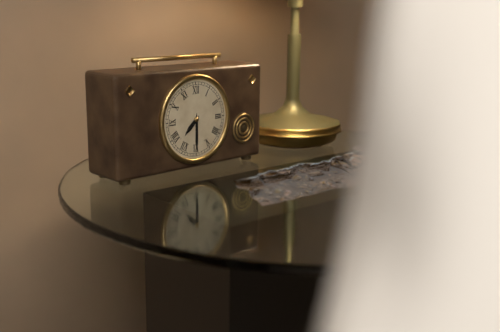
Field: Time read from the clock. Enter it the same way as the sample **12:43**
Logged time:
**7:30**
